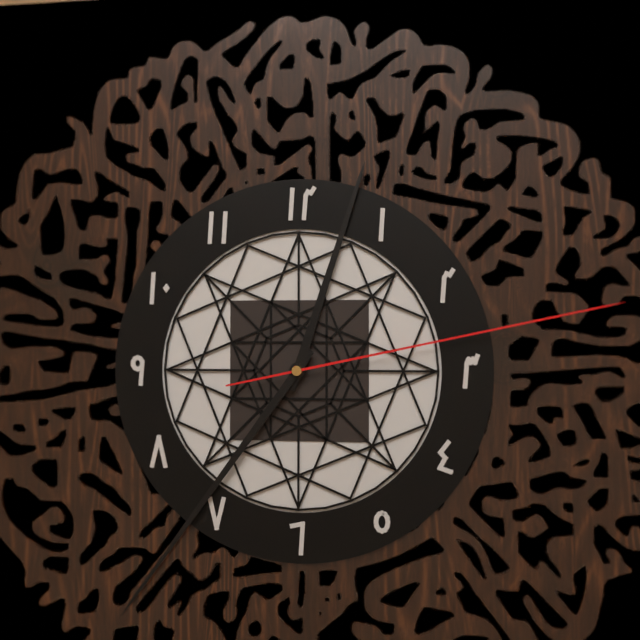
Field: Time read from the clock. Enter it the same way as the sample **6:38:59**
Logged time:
**12:36:13**
